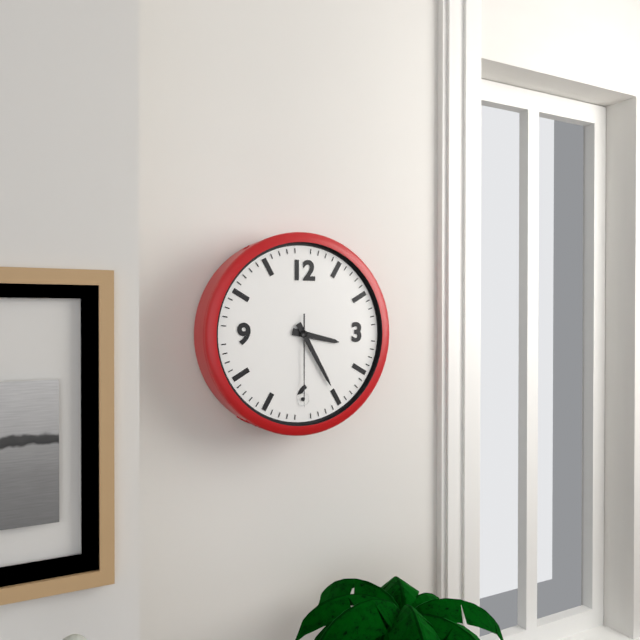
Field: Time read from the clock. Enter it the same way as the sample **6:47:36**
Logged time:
**3:25:30**
